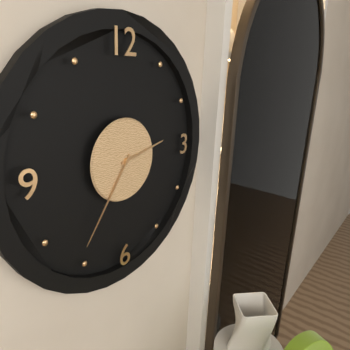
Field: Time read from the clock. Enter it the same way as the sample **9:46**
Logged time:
**2:36**
